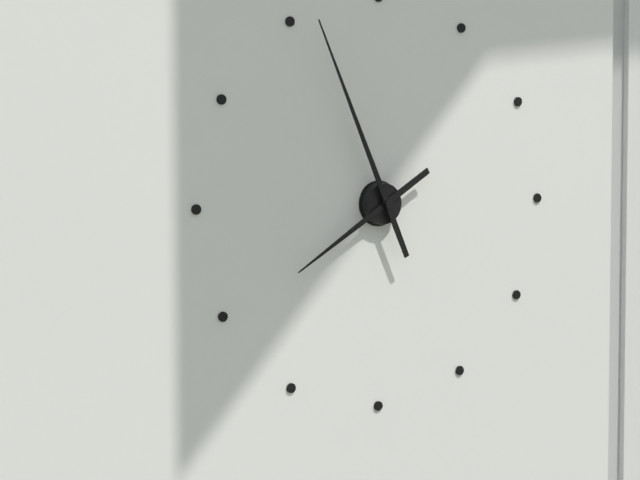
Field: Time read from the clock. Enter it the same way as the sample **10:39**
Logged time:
**7:56**
